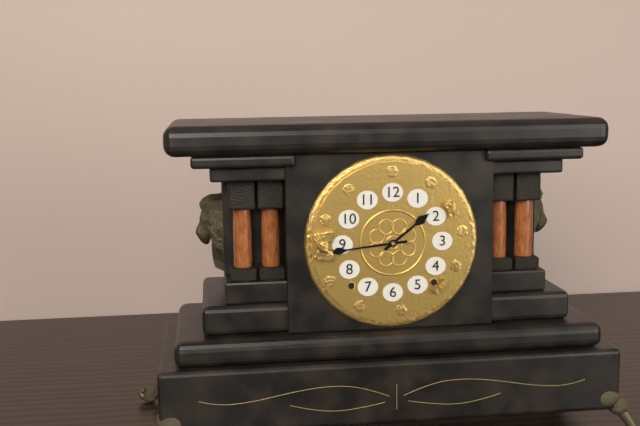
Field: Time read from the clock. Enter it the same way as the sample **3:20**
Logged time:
**1:44**
